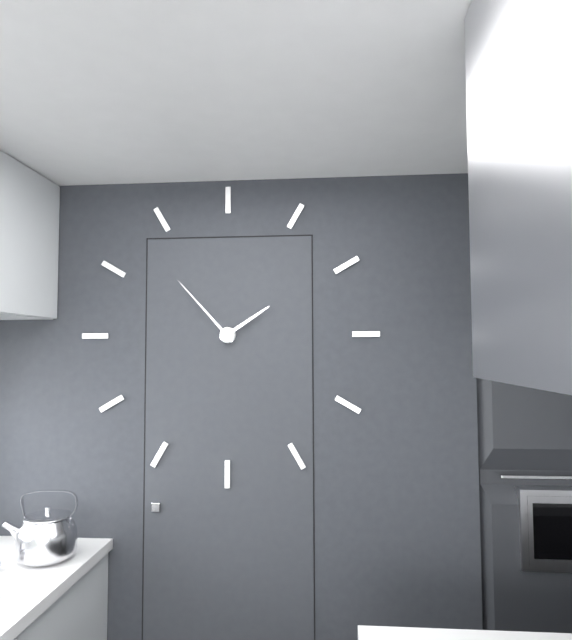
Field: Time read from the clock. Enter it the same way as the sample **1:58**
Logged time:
**1:53**
